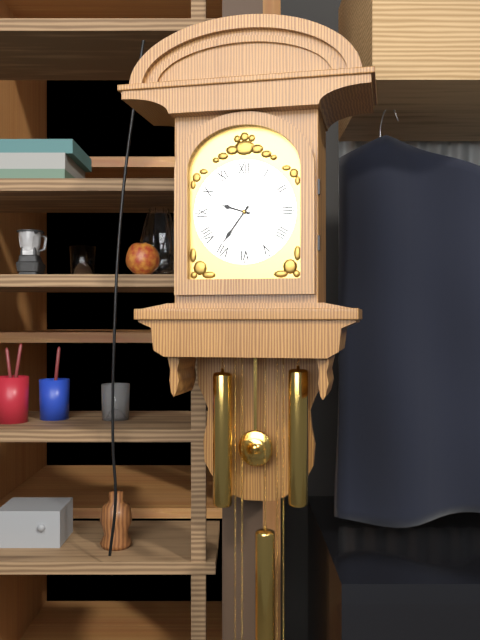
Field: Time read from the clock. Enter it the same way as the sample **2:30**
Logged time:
**9:36**
